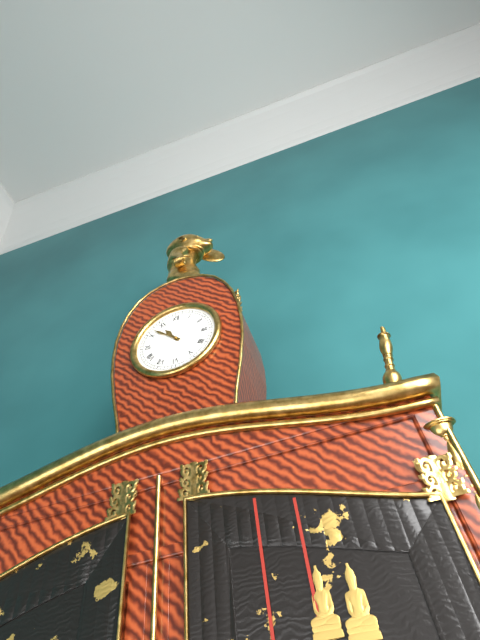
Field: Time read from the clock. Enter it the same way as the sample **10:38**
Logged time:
**10:52**
